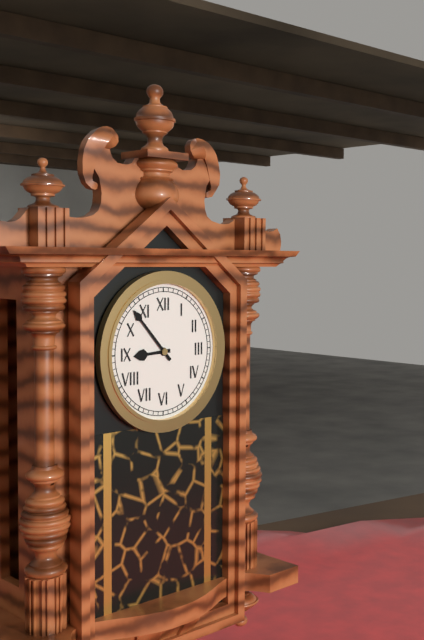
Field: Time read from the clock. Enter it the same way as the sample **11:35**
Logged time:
**8:53**
